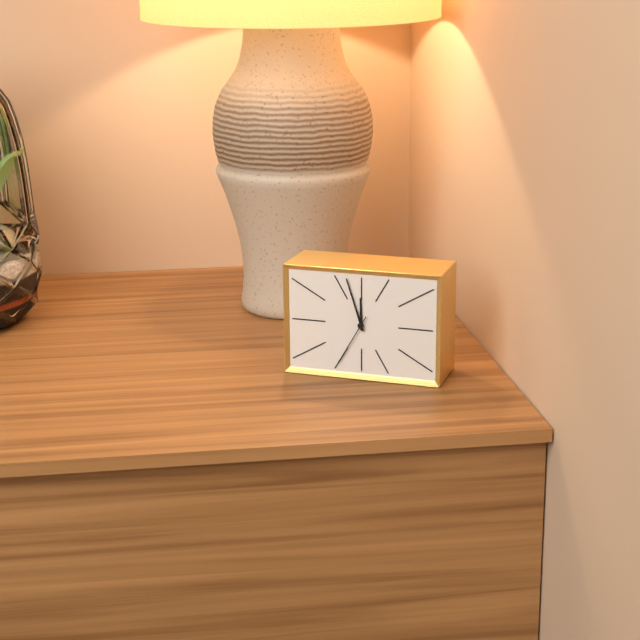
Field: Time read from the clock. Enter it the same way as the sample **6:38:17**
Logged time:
**11:57:35**
